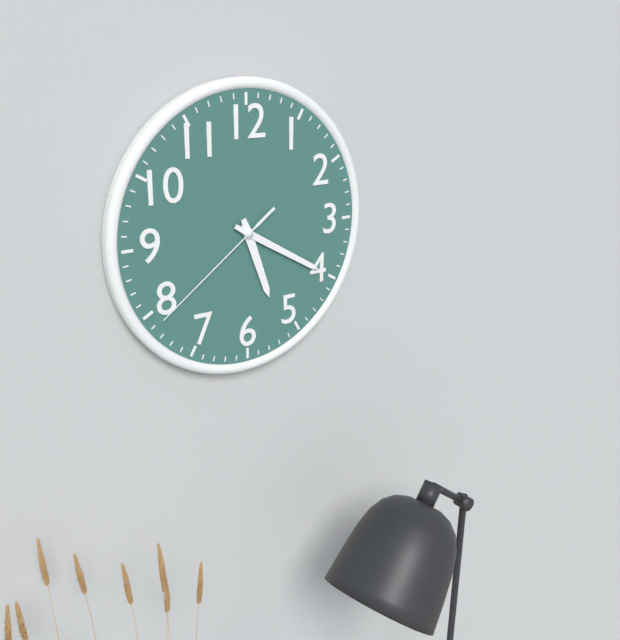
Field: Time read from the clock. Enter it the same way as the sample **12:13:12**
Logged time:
**5:20:39**
